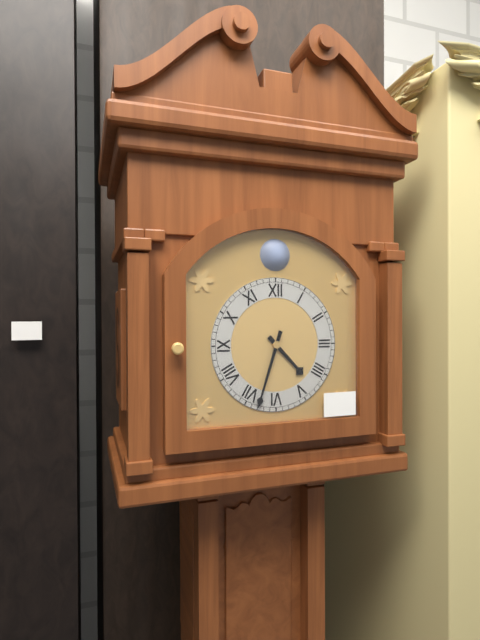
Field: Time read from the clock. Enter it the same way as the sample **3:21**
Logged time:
**4:33**
